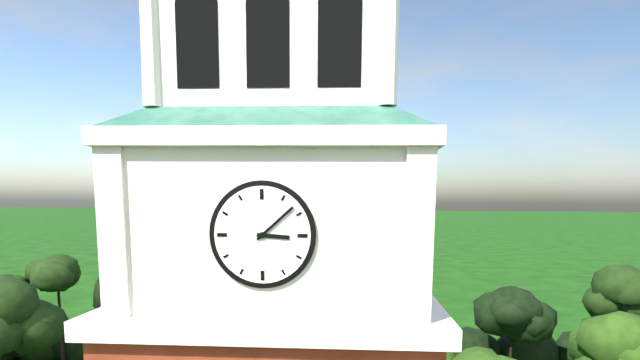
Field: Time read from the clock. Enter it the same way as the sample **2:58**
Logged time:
**3:08**
